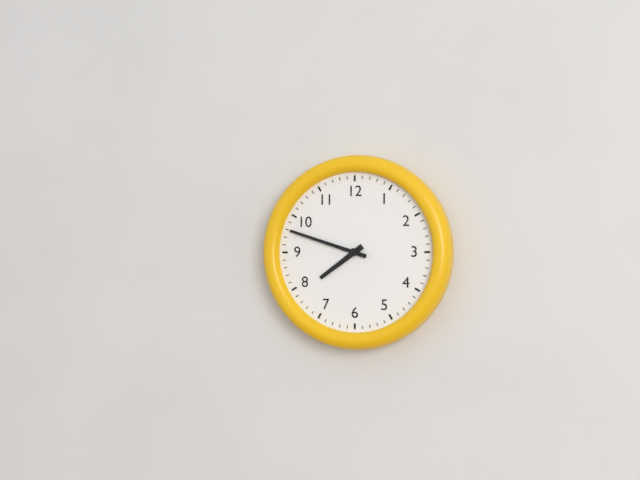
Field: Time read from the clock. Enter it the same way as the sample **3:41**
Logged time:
**7:48**
